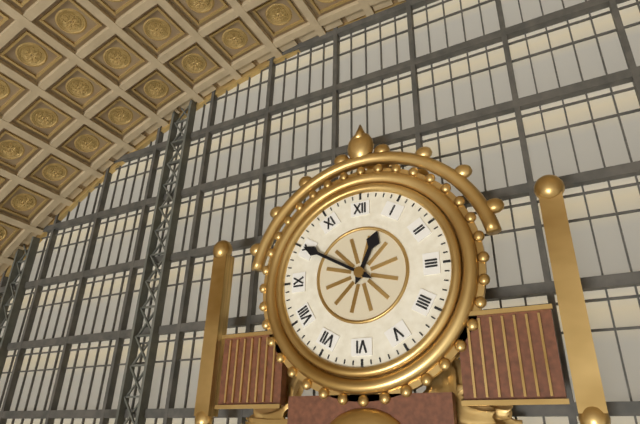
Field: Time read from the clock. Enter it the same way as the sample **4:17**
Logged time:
**12:50**
